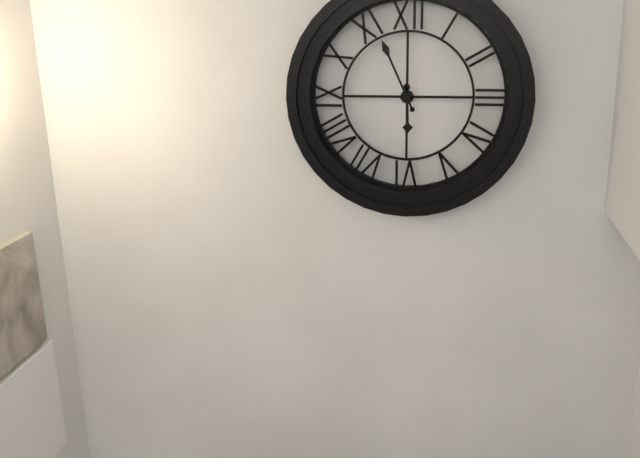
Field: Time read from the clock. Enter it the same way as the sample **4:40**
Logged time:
**5:56**
